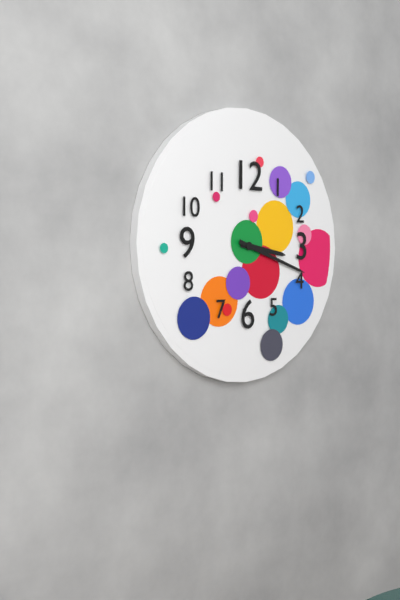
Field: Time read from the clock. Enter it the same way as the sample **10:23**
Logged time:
**3:18**
